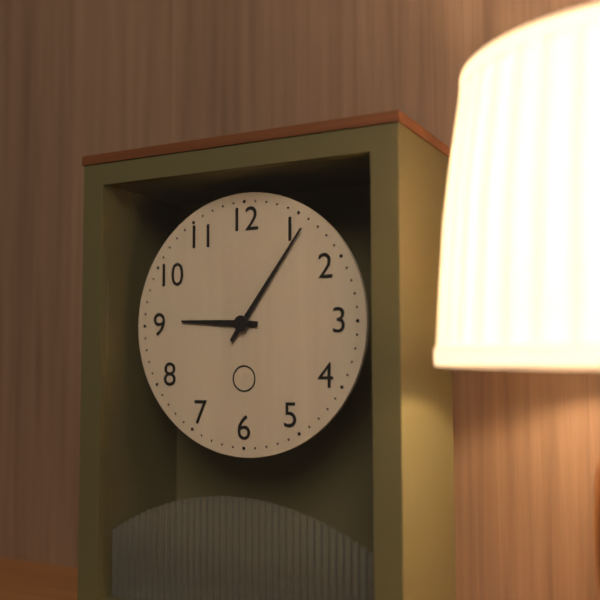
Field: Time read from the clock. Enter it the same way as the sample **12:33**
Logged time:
**9:06**
